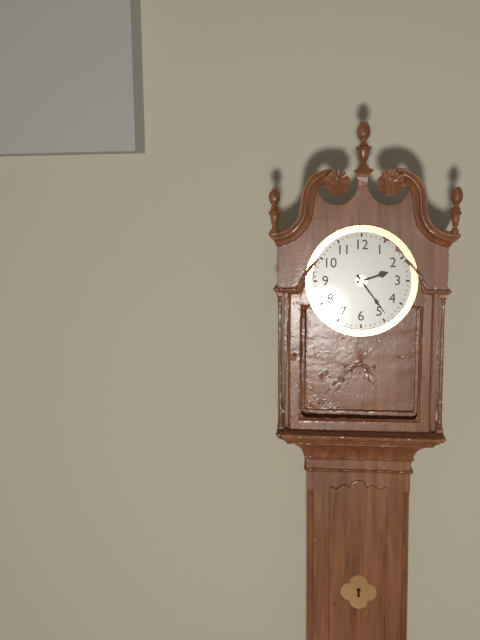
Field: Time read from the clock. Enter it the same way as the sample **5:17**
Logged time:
**2:24**
